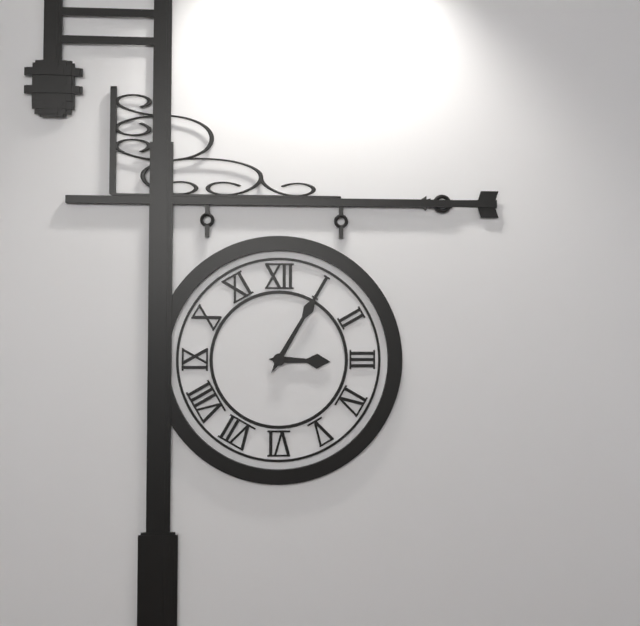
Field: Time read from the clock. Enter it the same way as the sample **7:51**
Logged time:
**3:05**
